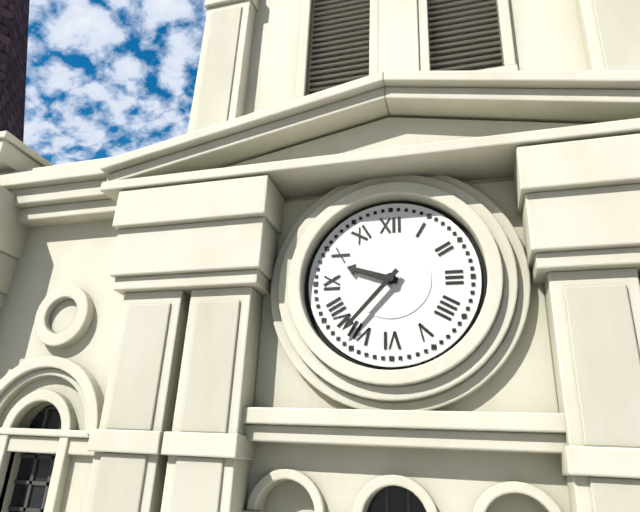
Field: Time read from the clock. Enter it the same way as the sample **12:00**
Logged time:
**9:37**
